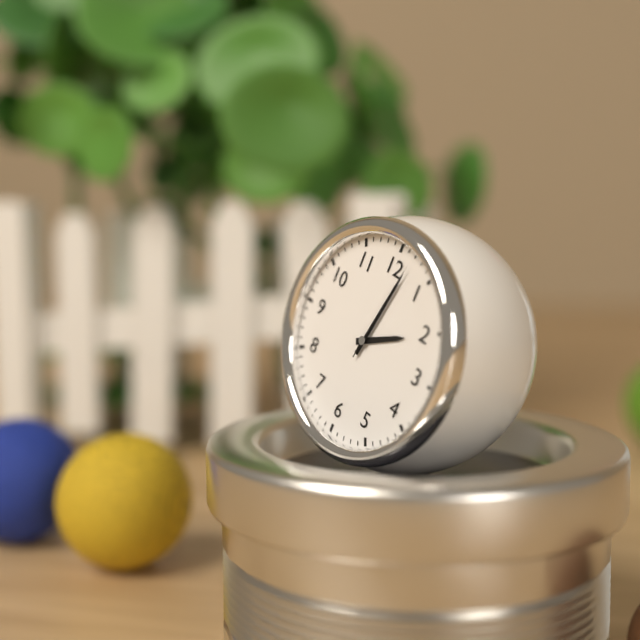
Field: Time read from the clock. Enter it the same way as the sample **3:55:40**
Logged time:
**2:02:02**
